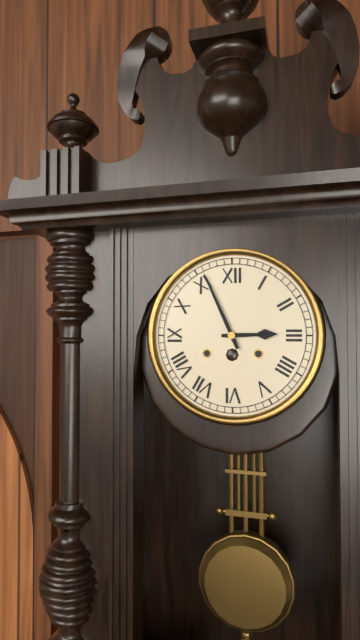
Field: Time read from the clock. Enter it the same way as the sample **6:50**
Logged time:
**2:56**
